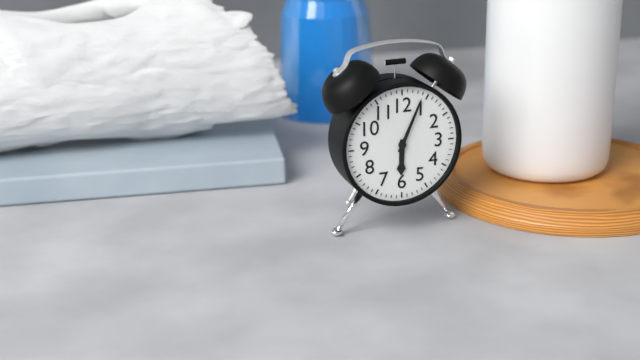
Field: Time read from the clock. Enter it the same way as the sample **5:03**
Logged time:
**6:04**
